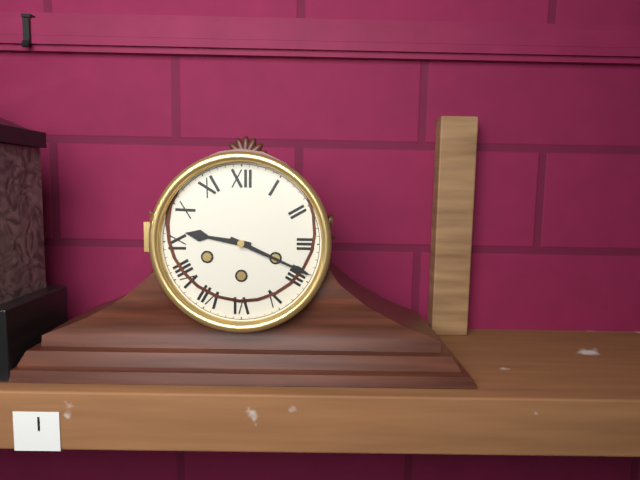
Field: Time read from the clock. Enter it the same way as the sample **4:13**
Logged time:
**9:19**
